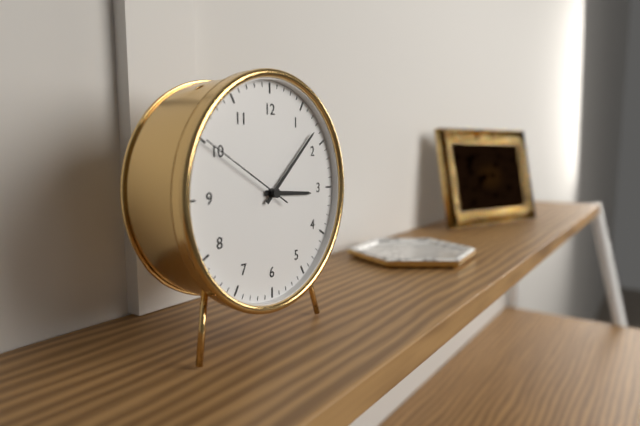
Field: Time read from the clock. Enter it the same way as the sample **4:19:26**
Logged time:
**3:08:50**
